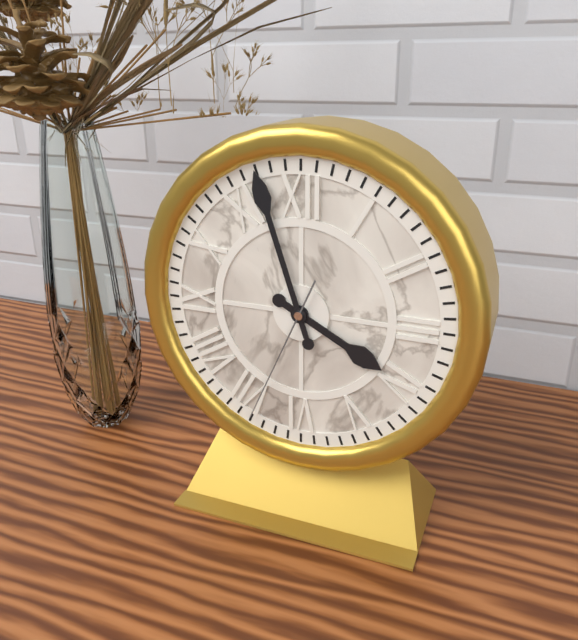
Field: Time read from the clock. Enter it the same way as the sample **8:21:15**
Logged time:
**3:57:34**
